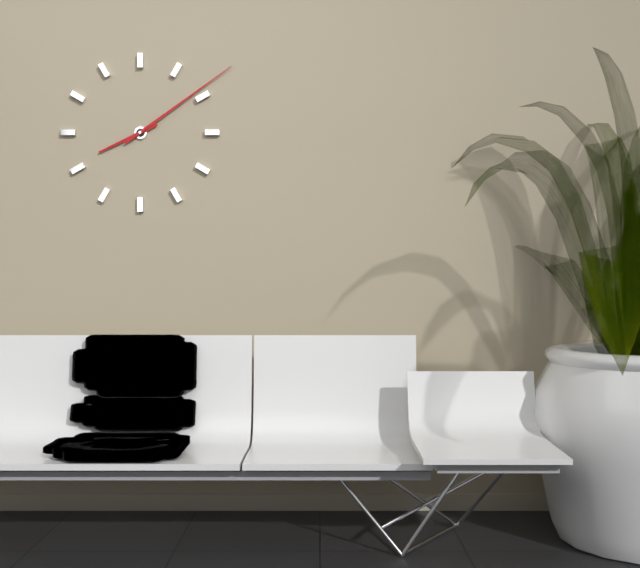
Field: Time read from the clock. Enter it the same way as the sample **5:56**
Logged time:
**8:09**
